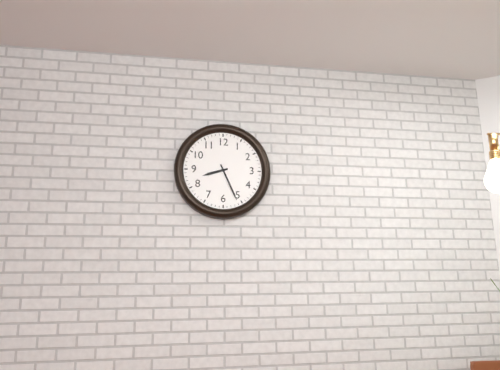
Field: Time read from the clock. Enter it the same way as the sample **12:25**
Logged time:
**8:26**
